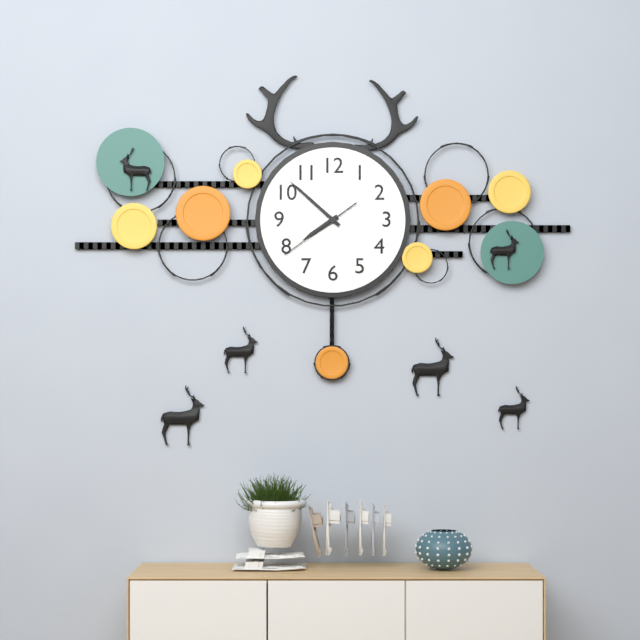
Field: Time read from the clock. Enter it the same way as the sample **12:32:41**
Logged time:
**7:52:39**
